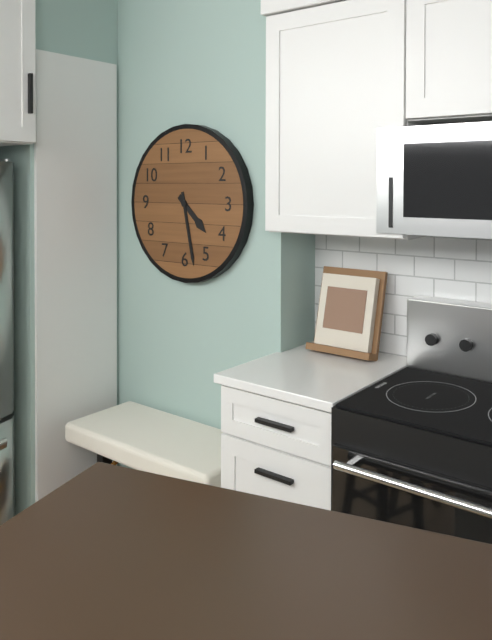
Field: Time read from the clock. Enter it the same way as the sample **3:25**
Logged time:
**4:28**
